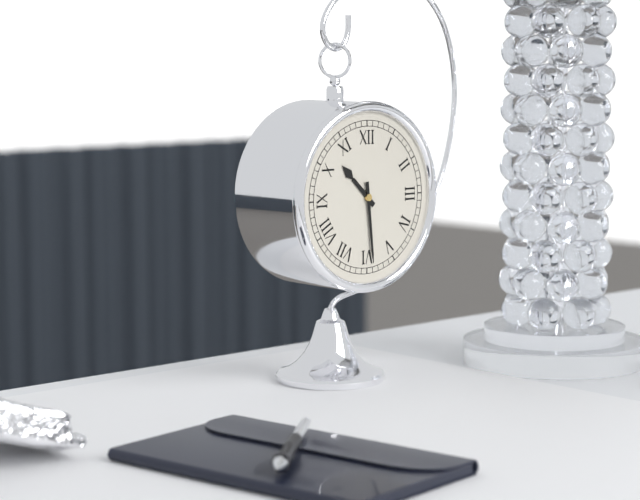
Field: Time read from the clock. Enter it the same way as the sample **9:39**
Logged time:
**10:29**
